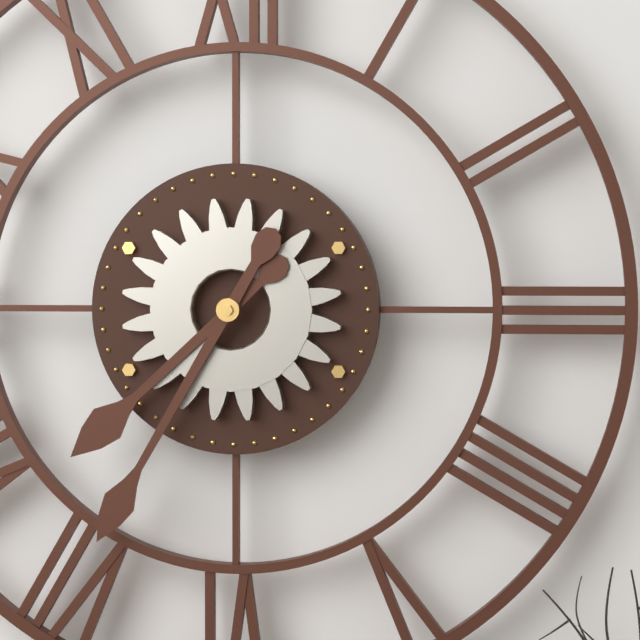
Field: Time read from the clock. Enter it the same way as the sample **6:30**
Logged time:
**7:35**
